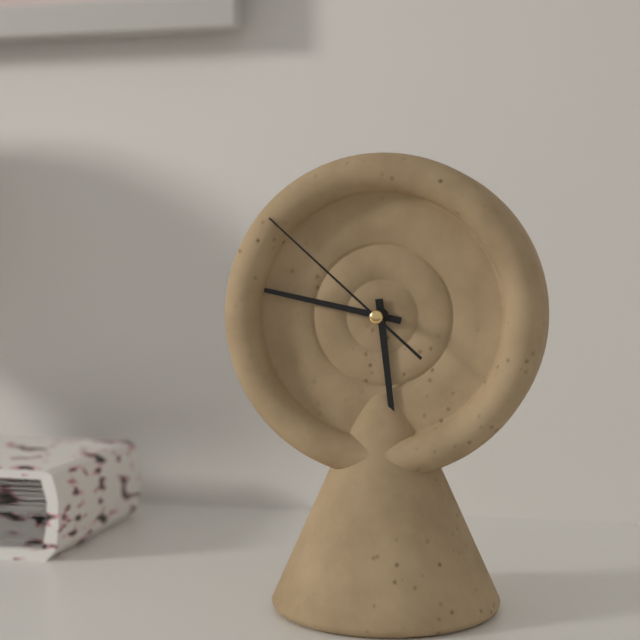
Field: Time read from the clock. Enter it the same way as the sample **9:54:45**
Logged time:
**5:47:52**
